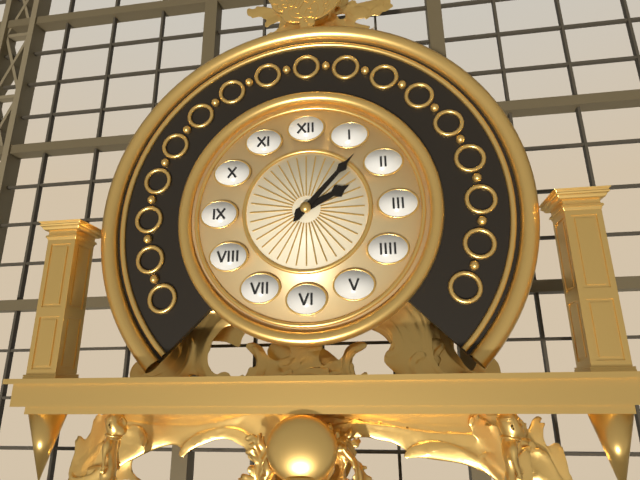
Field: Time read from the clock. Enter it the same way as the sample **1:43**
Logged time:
**2:07**
